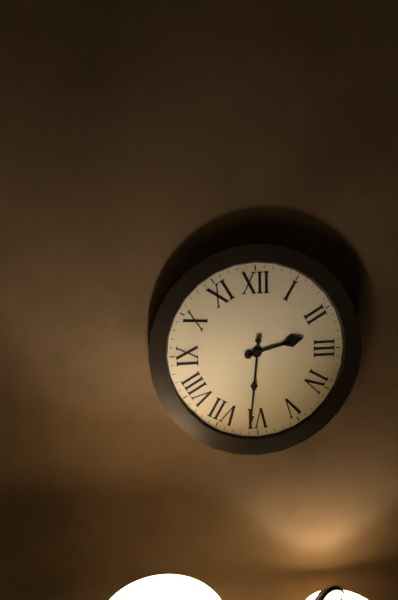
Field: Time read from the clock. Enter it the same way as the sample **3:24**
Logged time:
**2:31**
